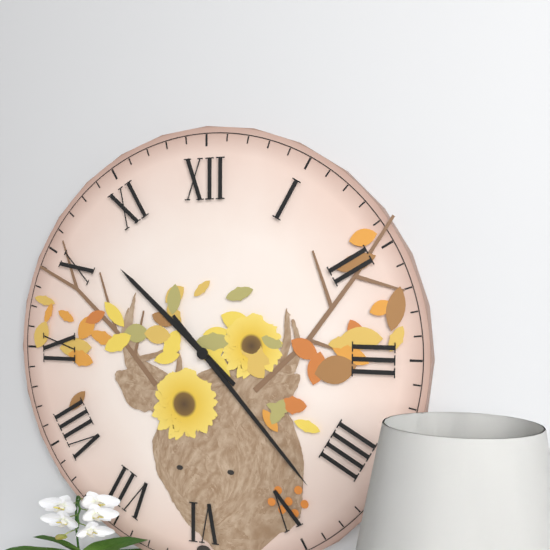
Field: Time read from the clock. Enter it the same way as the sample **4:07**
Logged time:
**10:23**
